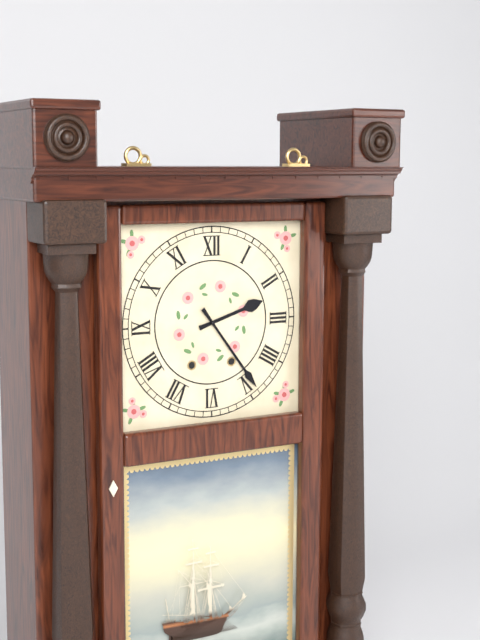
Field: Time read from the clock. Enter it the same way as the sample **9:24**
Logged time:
**2:24**
